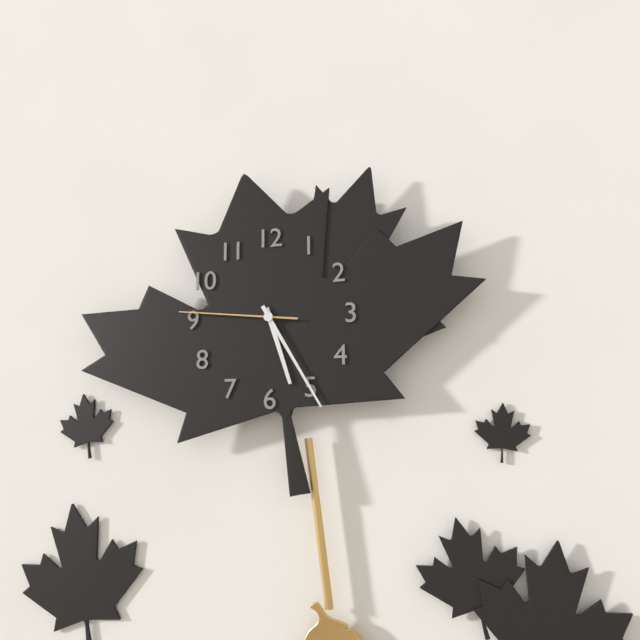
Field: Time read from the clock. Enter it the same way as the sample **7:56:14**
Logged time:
**5:25:46**
